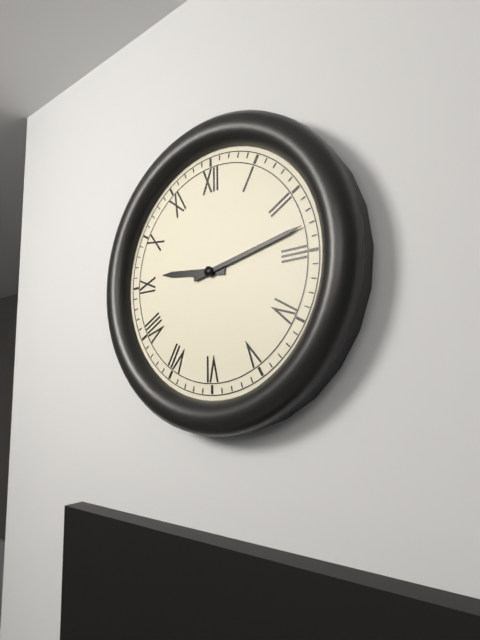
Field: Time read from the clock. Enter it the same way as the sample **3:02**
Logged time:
**9:13**
